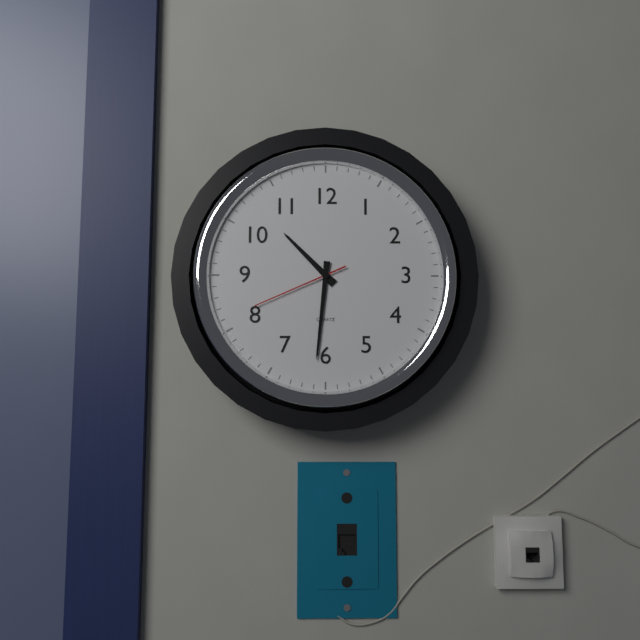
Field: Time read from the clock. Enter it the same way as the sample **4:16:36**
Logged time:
**10:31:41**
